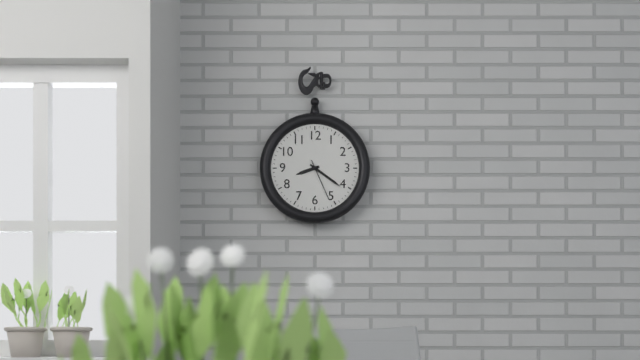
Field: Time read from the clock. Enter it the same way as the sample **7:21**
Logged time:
**8:21**
